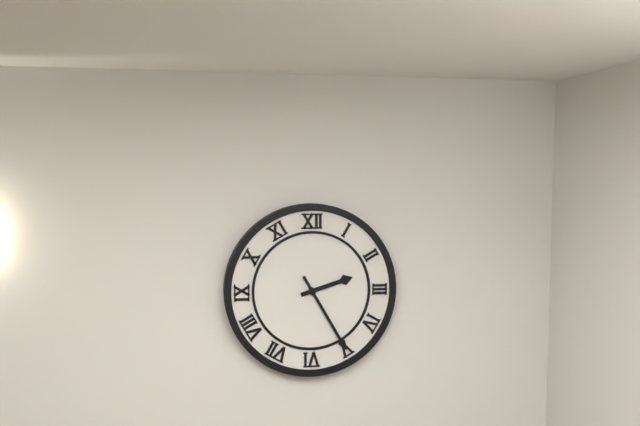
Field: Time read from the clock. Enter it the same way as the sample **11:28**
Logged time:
**2:25**
